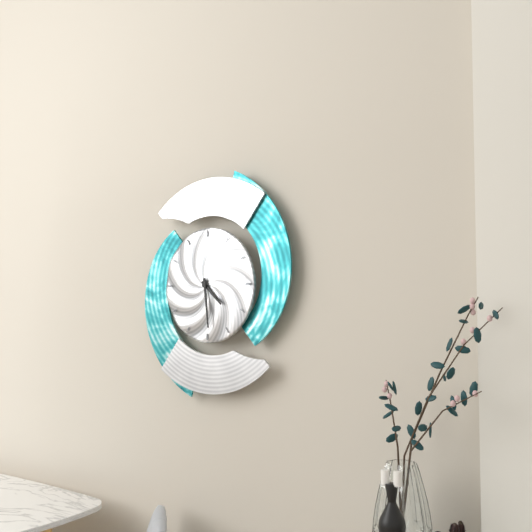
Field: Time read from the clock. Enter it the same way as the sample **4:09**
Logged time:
**4:29**
